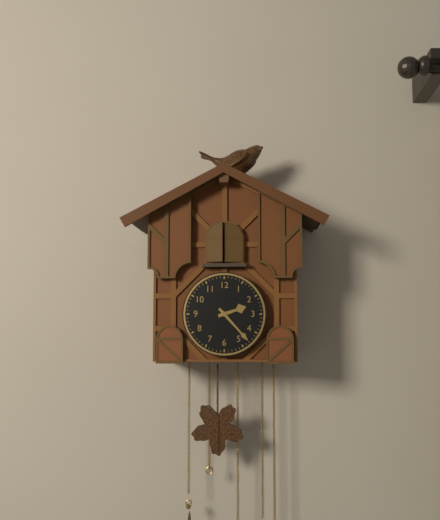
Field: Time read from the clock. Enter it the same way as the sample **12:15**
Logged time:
**2:23**
